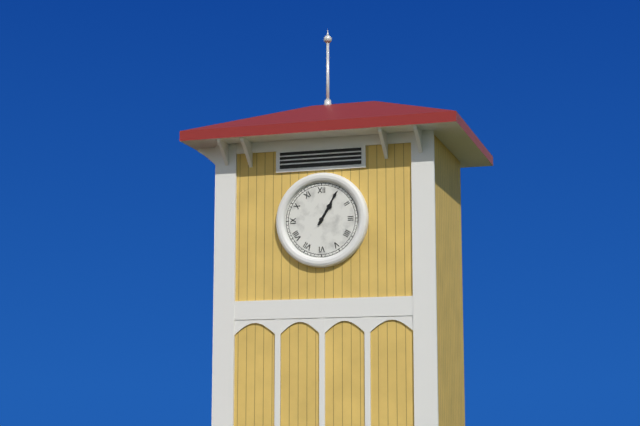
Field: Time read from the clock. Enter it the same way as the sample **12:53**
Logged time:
**1:05**
